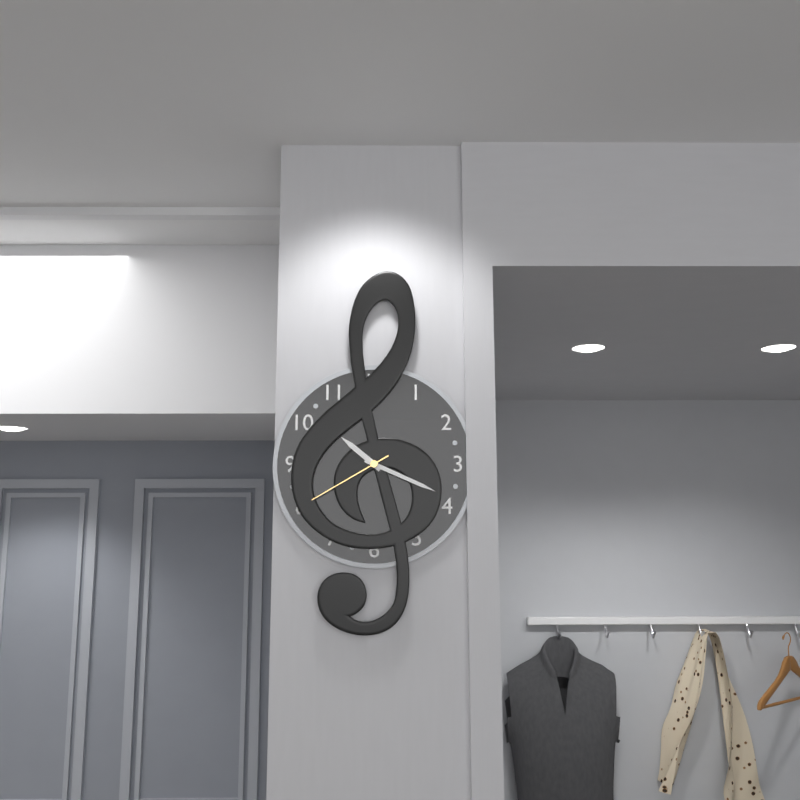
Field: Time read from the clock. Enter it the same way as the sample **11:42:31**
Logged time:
**10:19:40**
